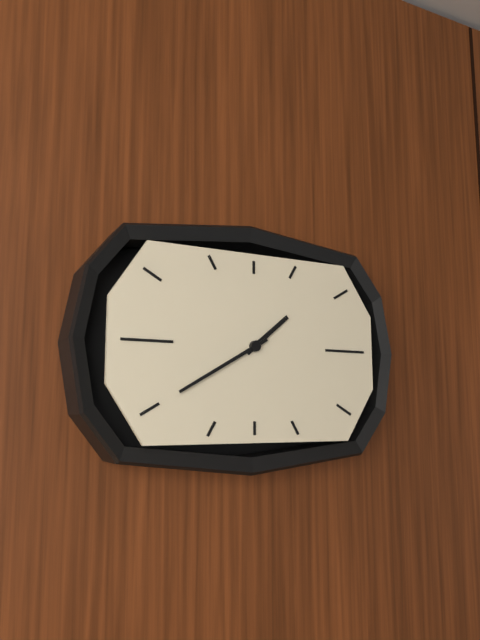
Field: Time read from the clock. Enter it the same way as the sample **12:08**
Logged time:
**1:40**
